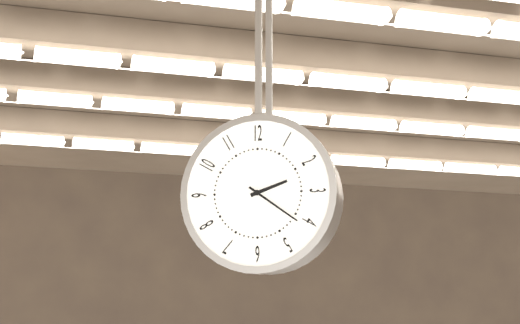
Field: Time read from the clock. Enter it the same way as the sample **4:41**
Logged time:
**2:21**
